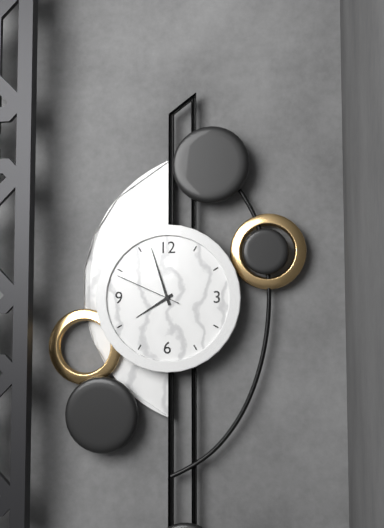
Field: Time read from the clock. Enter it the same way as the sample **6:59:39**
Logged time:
**7:57:49**
